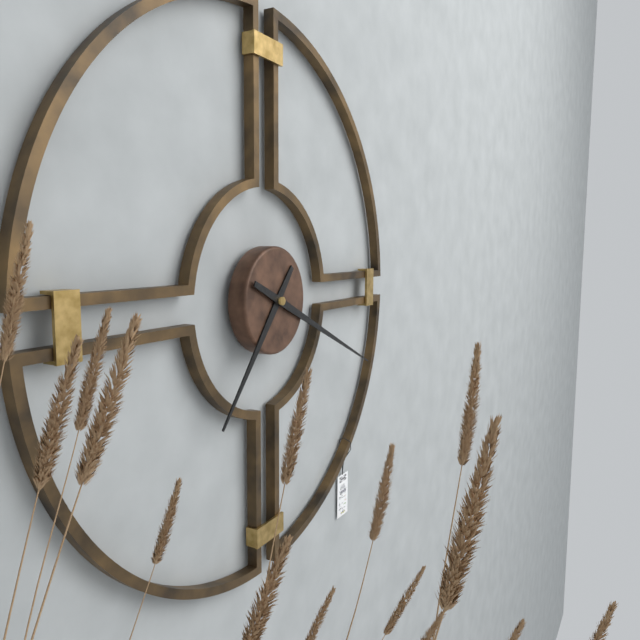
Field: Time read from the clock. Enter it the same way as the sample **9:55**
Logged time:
**7:19**
